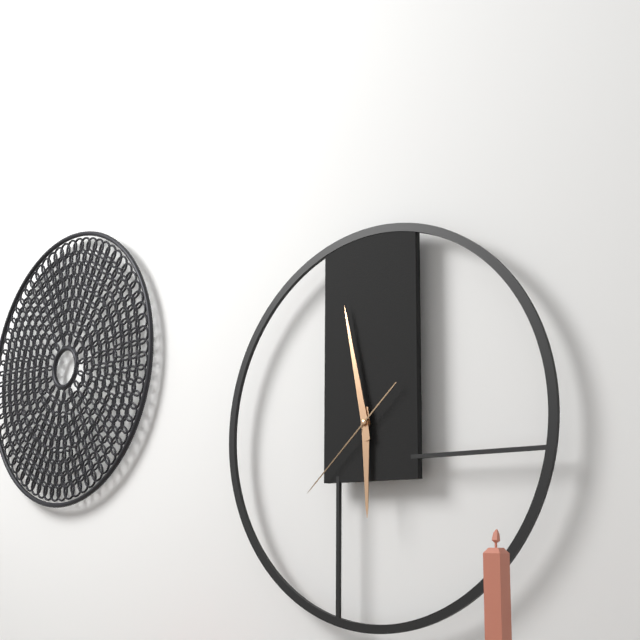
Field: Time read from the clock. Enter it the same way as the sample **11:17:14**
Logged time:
**5:58:38**
